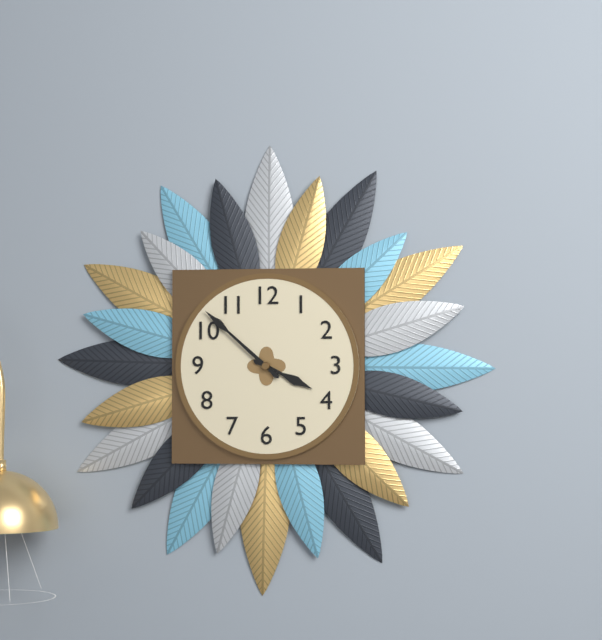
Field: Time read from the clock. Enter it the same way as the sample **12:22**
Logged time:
**3:52**
